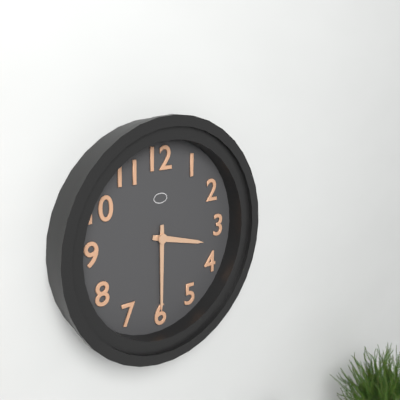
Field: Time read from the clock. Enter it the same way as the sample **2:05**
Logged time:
**3:30**
